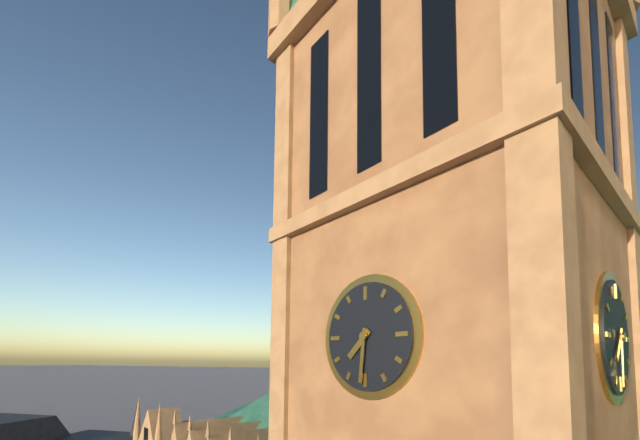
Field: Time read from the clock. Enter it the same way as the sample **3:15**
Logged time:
**7:31**
